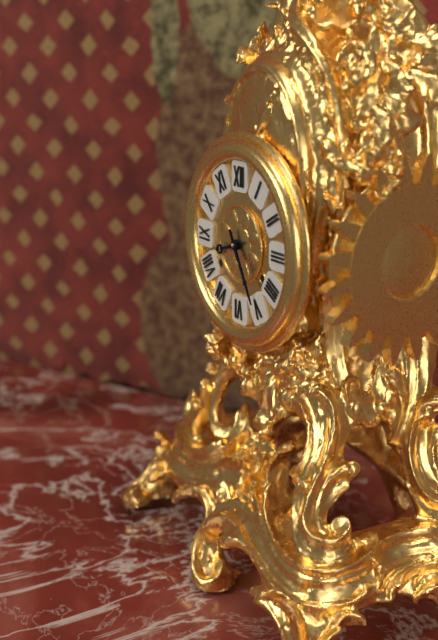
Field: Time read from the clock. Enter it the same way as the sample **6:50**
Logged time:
**8:25**
